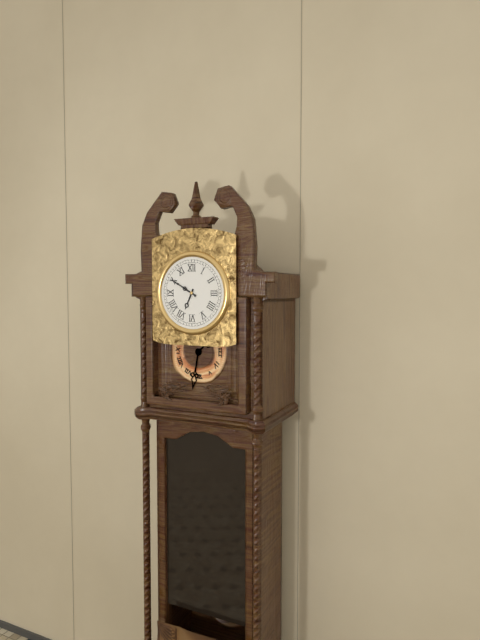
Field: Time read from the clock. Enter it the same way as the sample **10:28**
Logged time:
**6:50**
